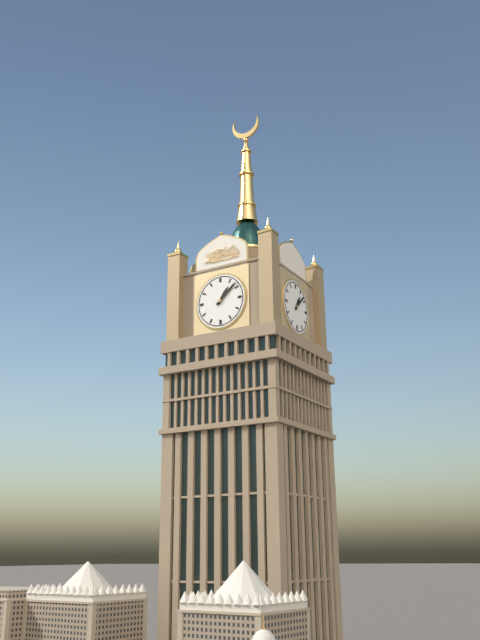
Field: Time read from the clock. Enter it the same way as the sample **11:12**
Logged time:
**1:08**
